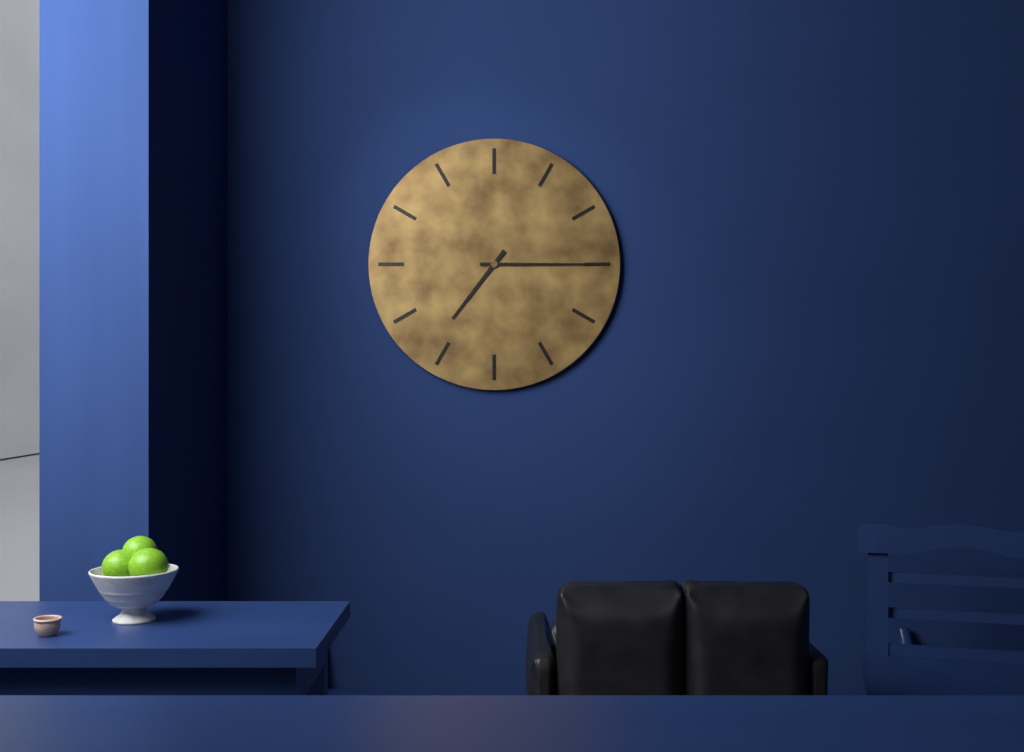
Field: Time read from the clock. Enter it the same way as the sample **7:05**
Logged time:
**7:15**
